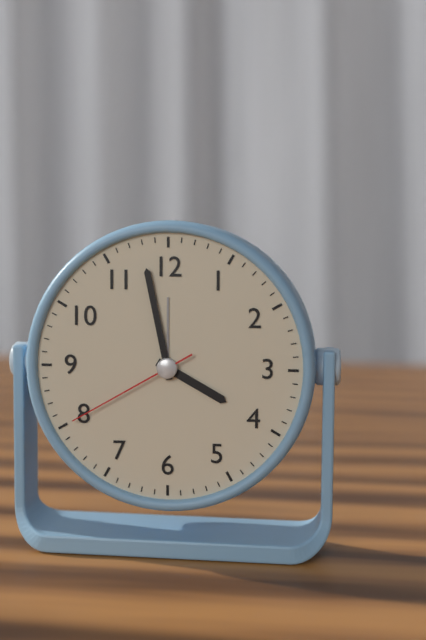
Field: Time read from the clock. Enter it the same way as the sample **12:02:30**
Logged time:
**3:58:40**
